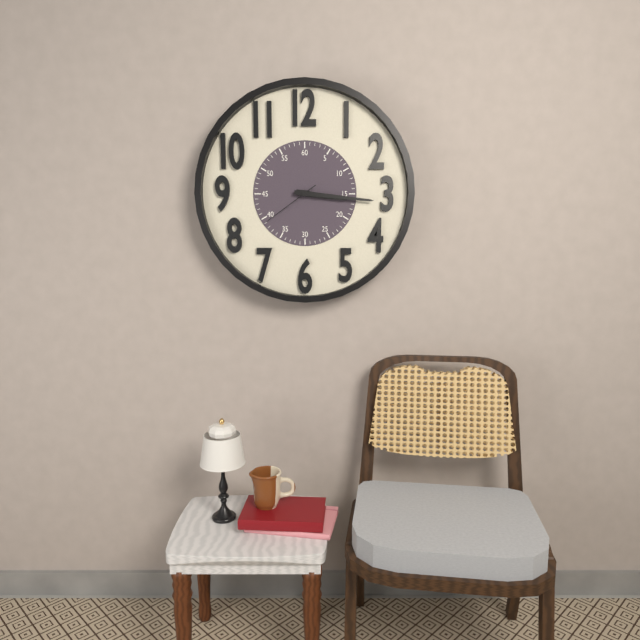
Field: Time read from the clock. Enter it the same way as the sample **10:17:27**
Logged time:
**3:16:39**
